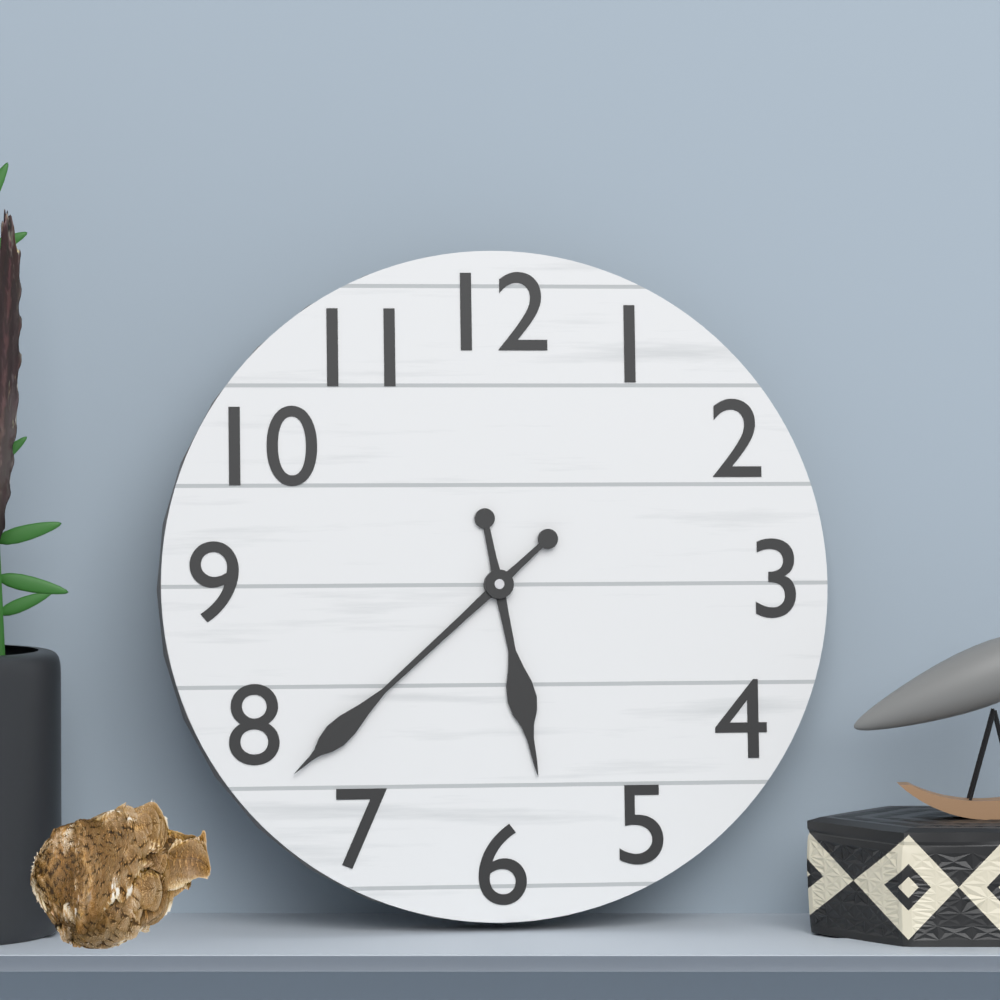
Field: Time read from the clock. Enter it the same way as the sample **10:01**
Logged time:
**5:38**
